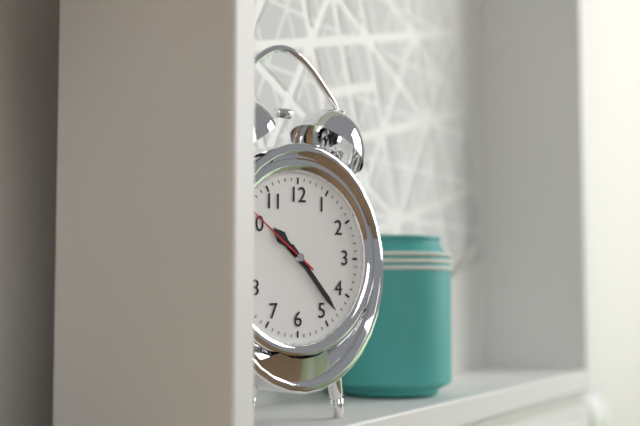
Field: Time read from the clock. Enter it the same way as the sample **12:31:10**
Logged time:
**10:23:51**
